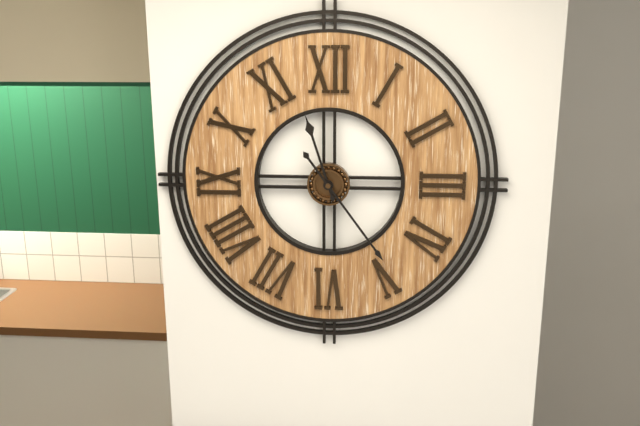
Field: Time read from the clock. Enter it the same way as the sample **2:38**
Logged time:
**11:24**
